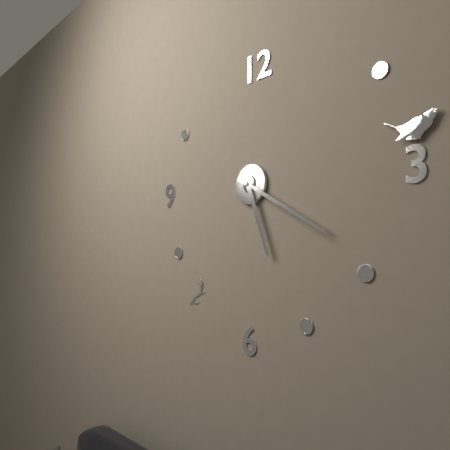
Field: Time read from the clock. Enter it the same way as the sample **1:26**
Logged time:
**5:20**
